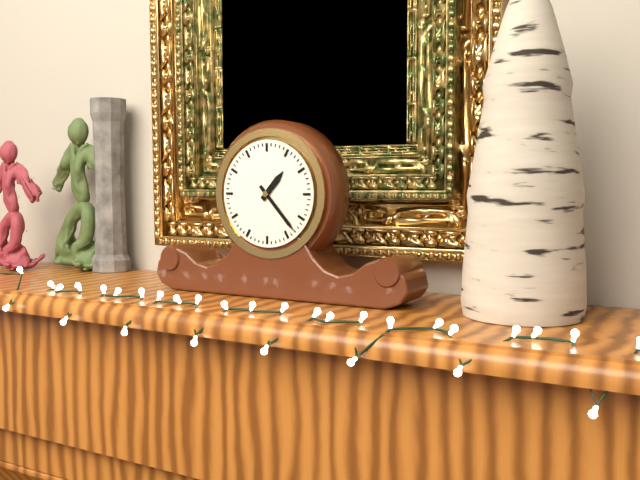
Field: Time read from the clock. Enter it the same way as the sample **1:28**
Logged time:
**1:23**
